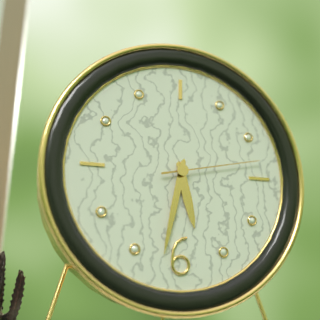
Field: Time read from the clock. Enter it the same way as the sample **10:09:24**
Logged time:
**5:32:13**
